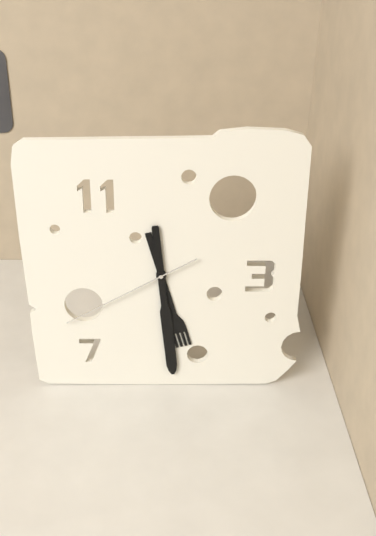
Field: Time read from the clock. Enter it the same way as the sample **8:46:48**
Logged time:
**5:29:40**
